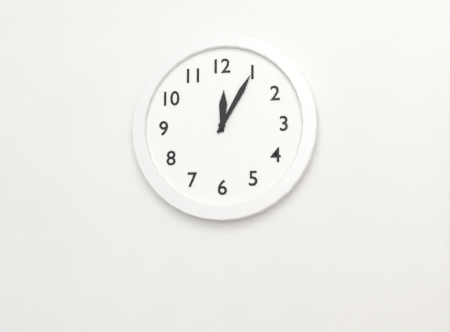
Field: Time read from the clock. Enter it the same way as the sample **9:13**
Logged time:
**12:05**
